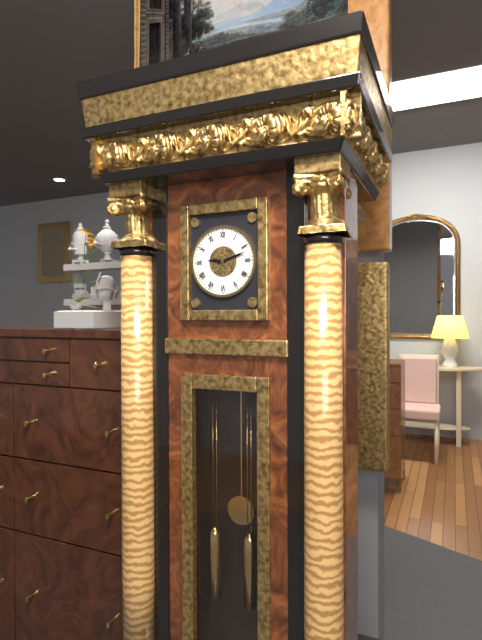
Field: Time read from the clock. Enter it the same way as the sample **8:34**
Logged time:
**9:12**
